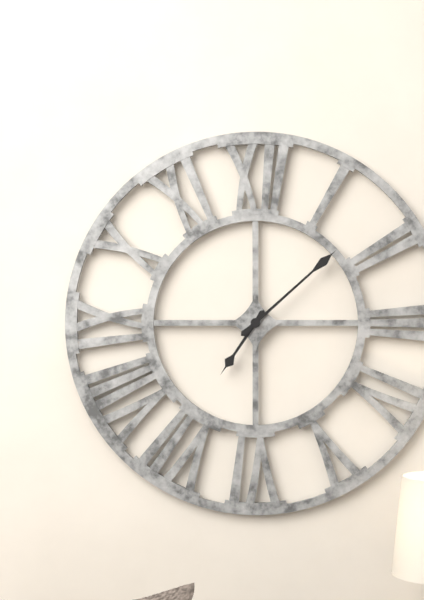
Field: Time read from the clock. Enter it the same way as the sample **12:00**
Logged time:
**7:08**
